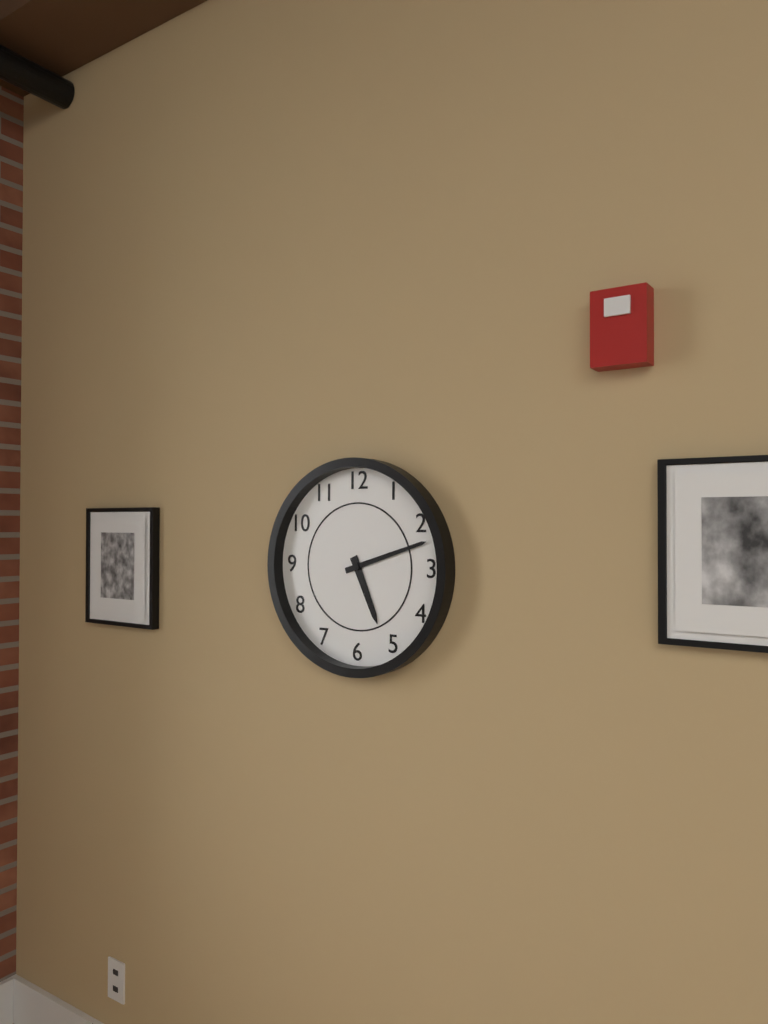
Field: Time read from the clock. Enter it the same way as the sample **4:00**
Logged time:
**5:12**
